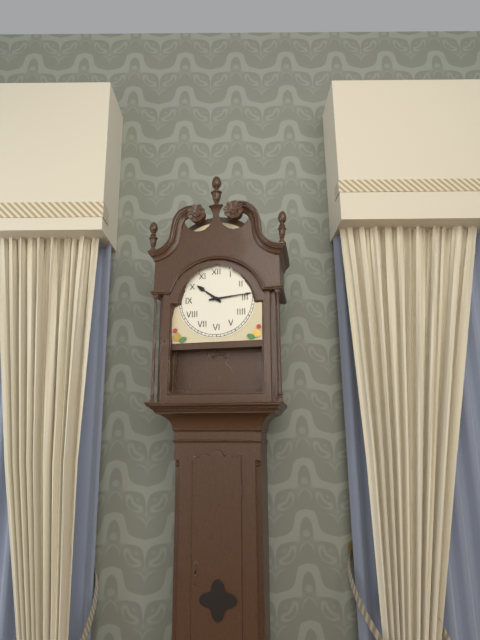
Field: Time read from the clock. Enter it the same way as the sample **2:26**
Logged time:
**10:14**
